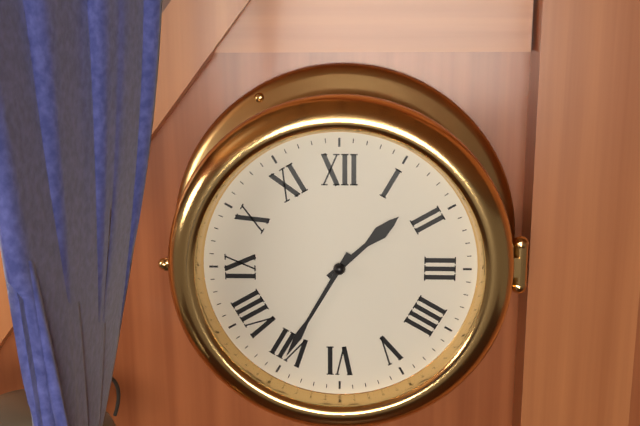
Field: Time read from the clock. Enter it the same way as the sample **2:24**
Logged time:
**1:35**
